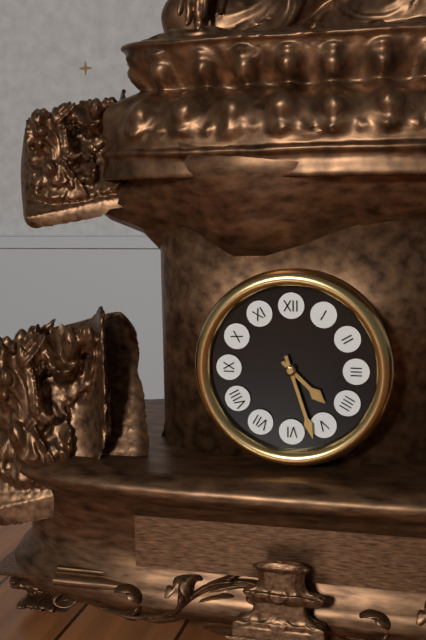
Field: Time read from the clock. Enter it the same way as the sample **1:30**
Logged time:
**4:27**
